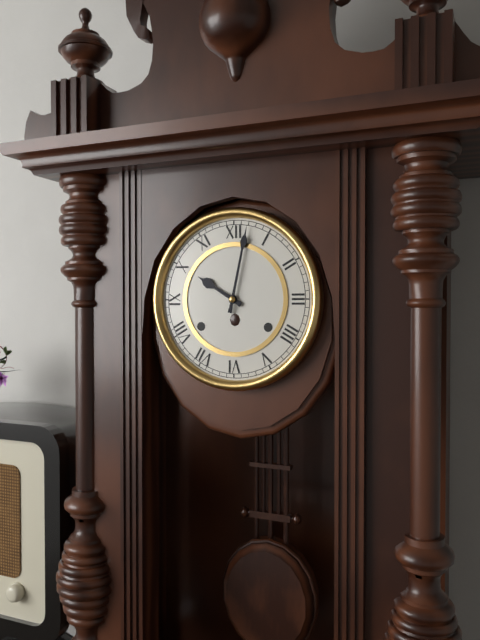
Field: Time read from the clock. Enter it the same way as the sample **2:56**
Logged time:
**10:02**
